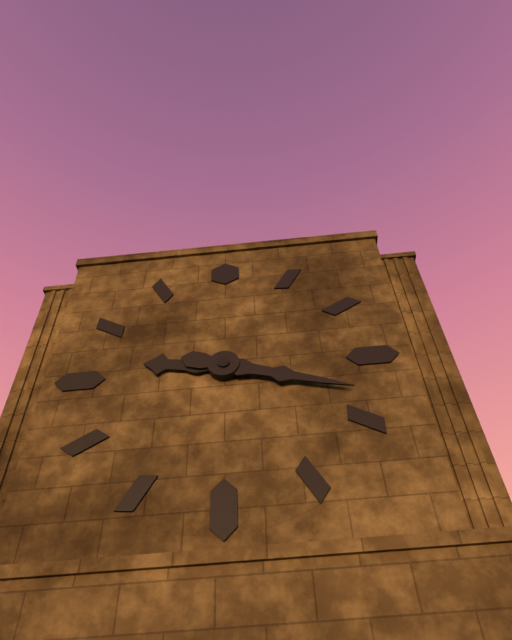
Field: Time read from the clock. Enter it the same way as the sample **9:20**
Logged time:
**9:18**
